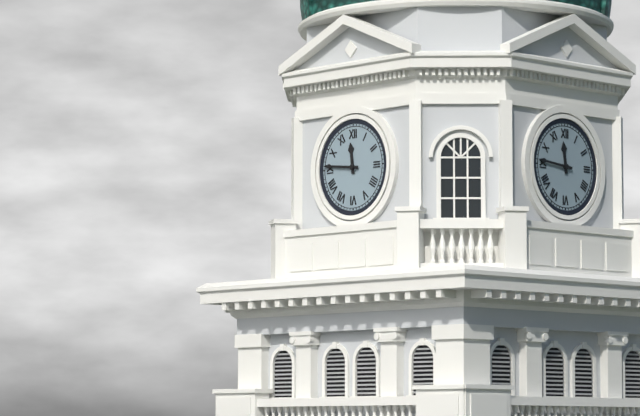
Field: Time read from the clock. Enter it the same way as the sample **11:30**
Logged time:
**11:46**
